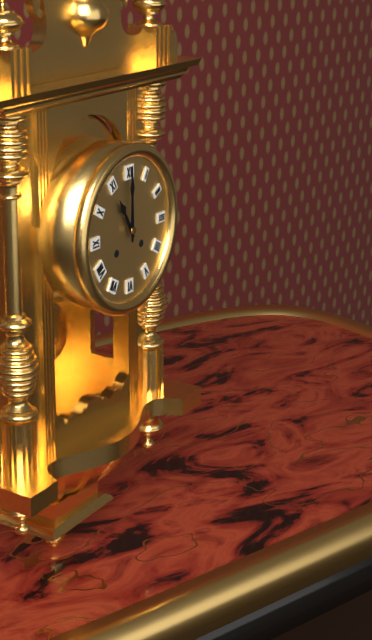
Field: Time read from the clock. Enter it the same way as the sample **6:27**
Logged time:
**11:00**
